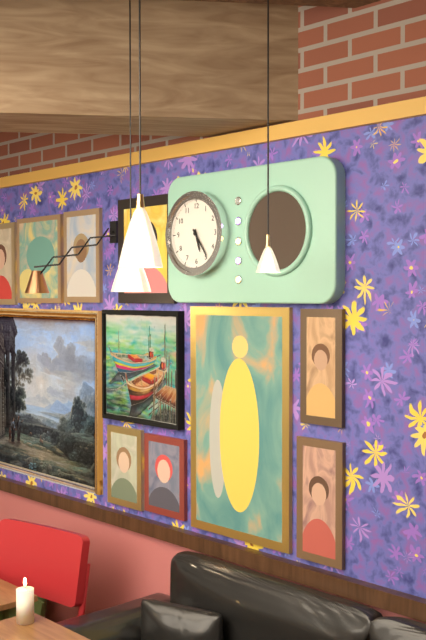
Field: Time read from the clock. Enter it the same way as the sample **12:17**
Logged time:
**5:24**
